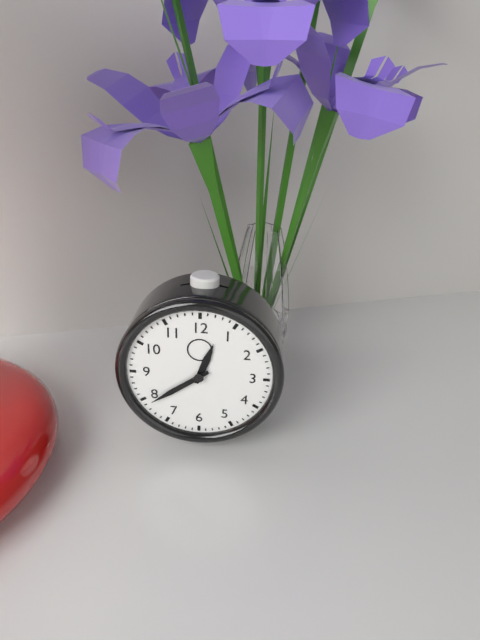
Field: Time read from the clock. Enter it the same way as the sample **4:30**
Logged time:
**12:39**
